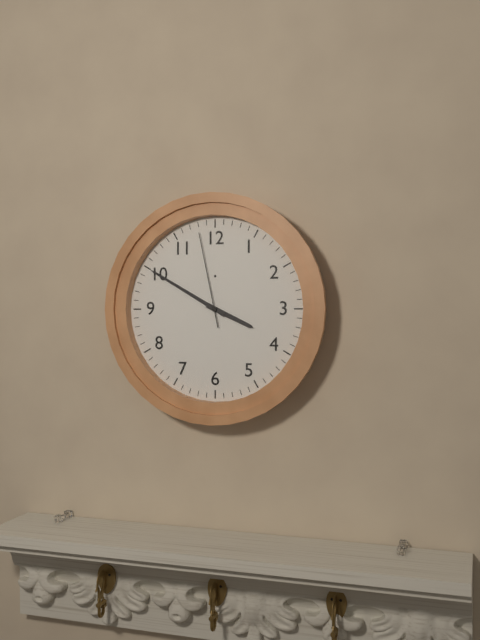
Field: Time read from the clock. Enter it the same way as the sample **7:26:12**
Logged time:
**3:50:58**
